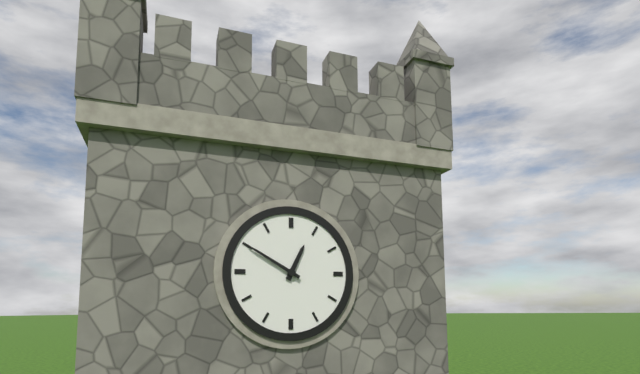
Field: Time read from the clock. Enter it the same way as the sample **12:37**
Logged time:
**12:50**
